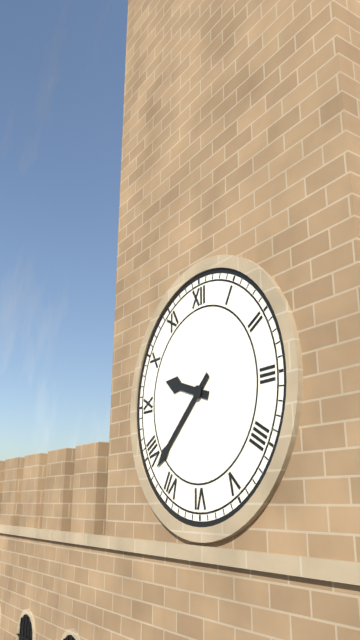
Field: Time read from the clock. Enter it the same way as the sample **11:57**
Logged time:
**9:38**
